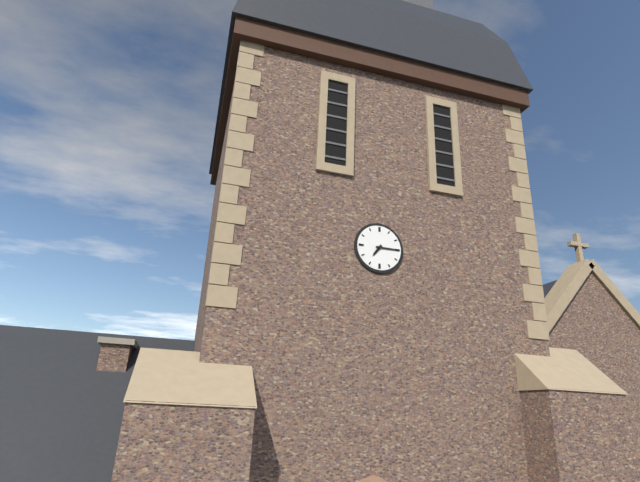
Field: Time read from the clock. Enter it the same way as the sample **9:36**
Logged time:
**7:15**
